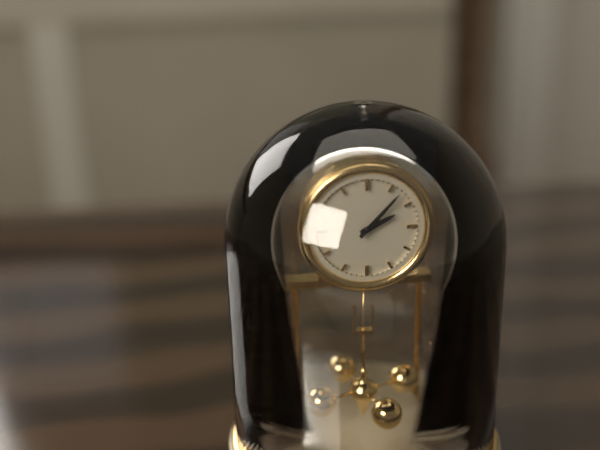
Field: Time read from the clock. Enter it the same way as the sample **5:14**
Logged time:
**2:07**
